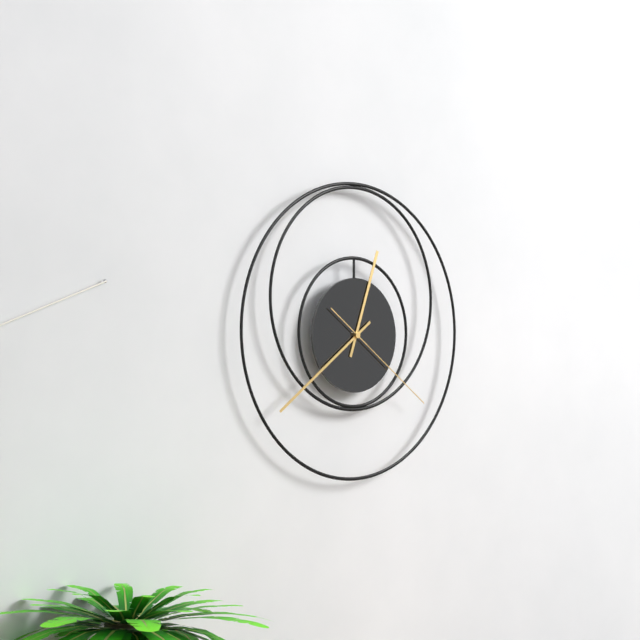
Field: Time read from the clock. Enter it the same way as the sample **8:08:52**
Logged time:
**12:39:21**
